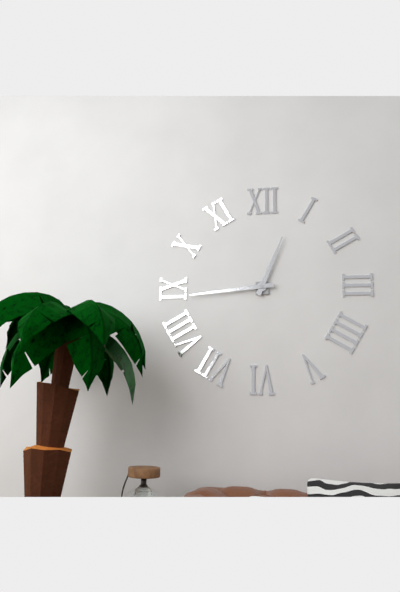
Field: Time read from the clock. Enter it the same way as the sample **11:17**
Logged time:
**12:44**
